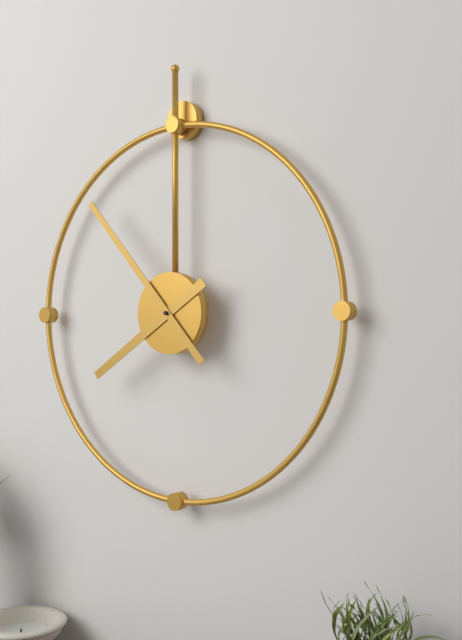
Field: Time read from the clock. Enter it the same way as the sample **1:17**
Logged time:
**7:53**
